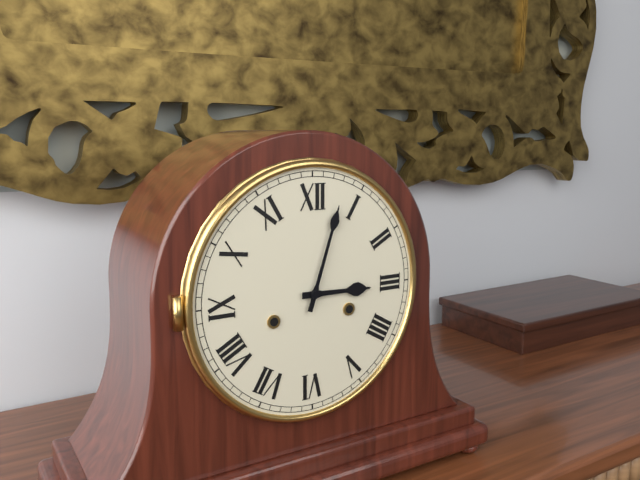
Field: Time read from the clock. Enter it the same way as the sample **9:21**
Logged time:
**3:03**
